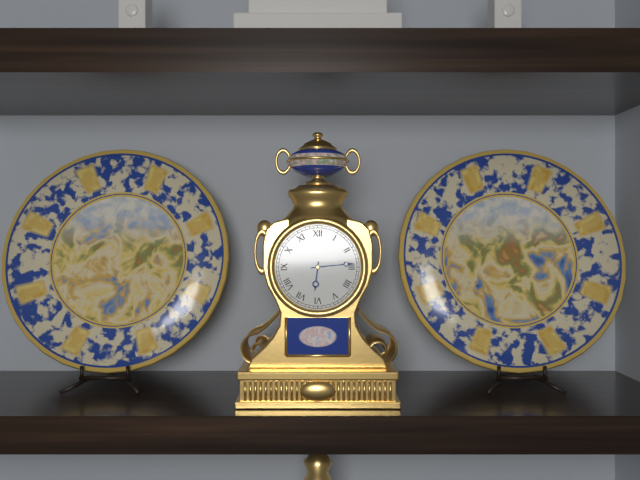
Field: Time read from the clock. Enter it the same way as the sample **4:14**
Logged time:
**6:14**
